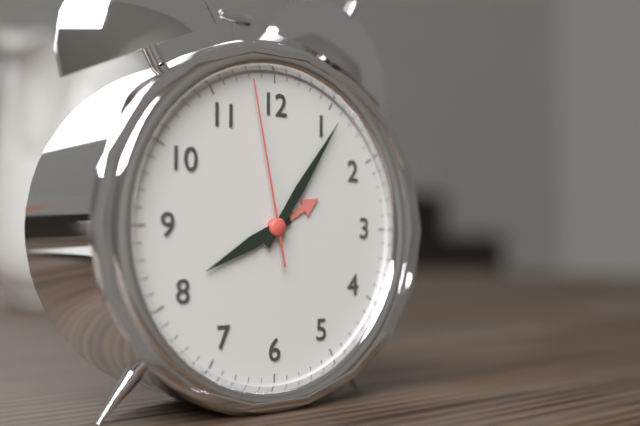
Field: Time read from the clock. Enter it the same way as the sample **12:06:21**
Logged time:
**8:06:58**
